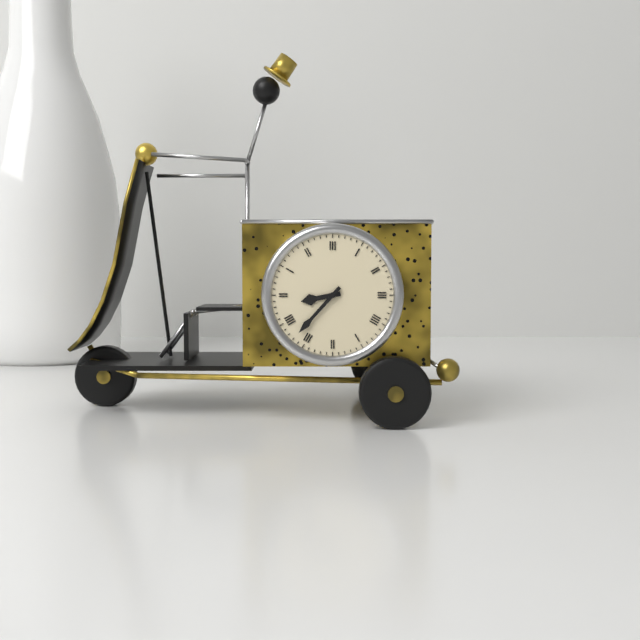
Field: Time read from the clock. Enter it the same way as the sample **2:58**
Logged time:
**8:37**
